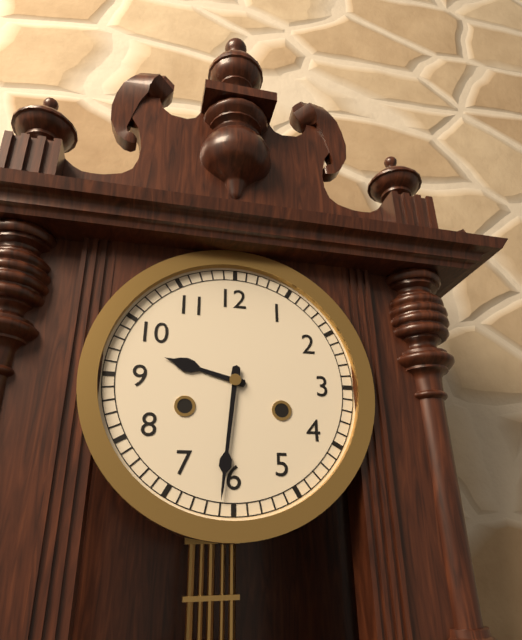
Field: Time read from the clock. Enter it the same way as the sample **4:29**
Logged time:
**9:31**
